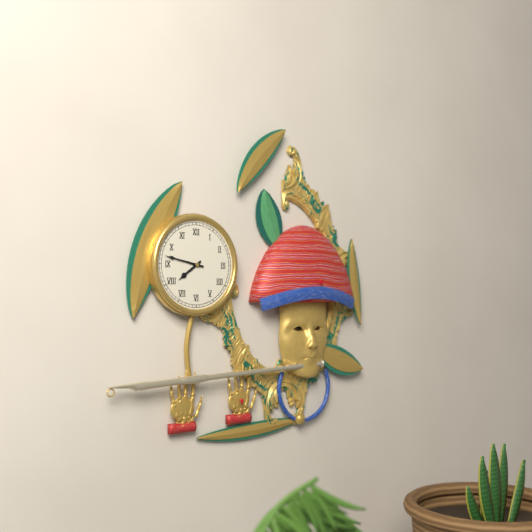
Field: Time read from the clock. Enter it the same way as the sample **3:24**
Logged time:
**7:47**
